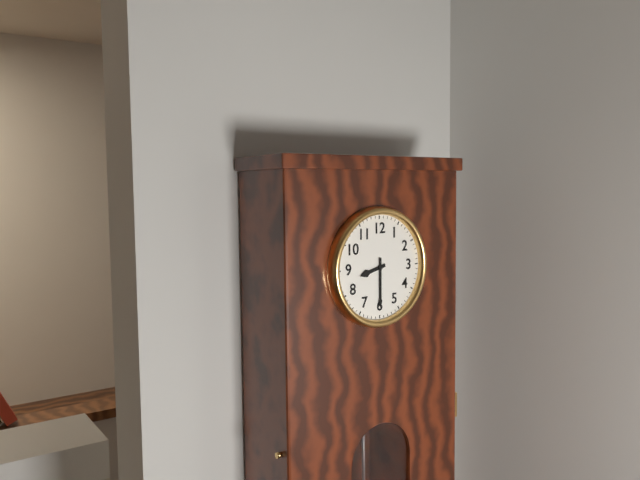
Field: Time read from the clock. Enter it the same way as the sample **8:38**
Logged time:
**8:30**
